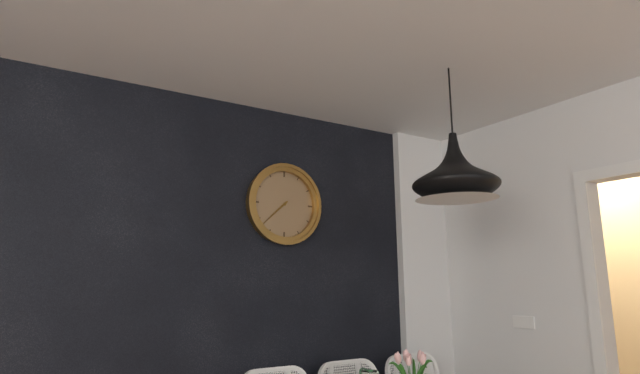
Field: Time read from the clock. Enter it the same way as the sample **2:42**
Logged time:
**7:38**
